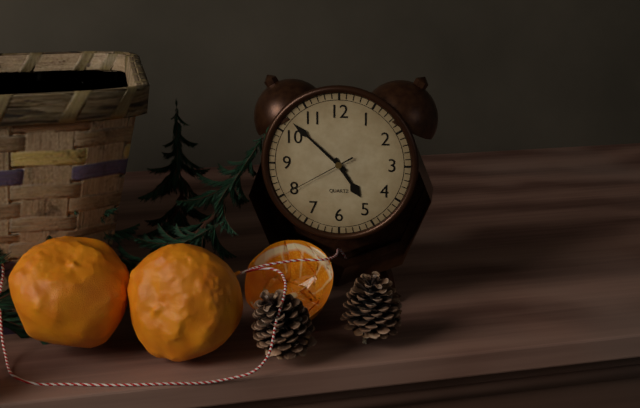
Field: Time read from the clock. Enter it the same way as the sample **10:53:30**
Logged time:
**4:52:40**
